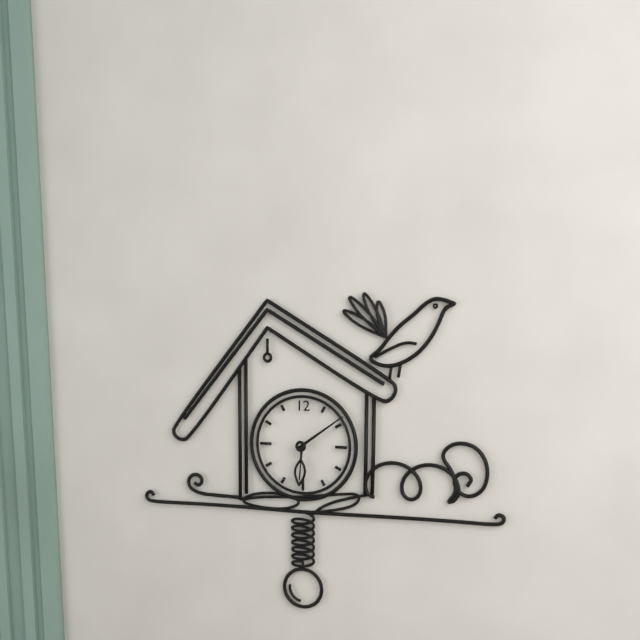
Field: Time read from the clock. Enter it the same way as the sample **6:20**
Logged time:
**6:09**
